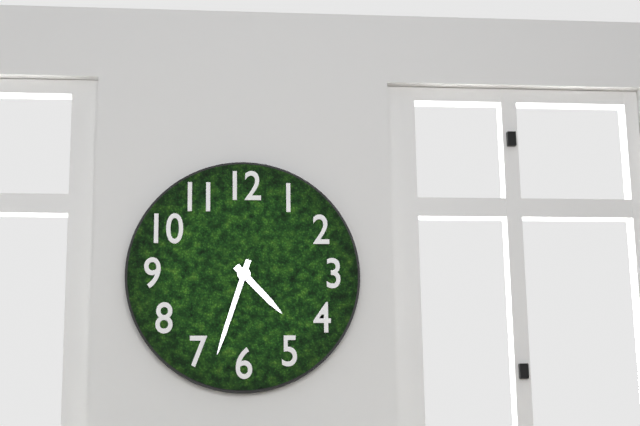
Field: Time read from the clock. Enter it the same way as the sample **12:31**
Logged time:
**4:33**
